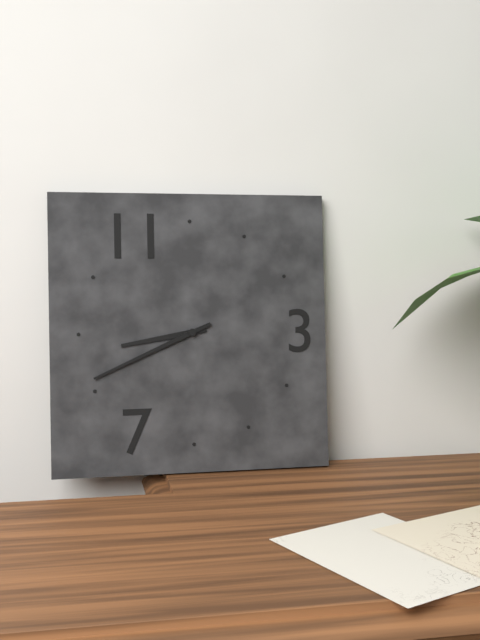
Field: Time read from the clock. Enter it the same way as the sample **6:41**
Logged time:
**8:41**
